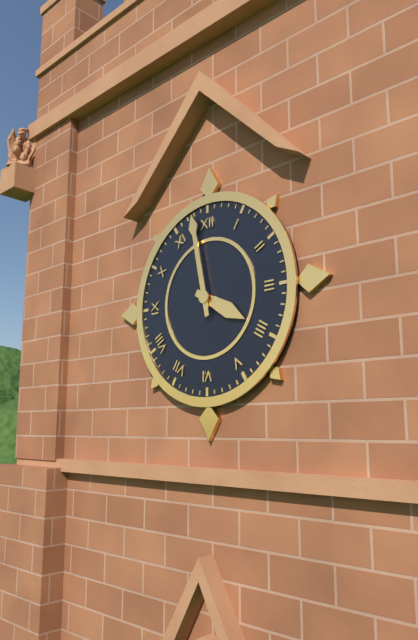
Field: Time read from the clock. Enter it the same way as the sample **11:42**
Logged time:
**3:58**
